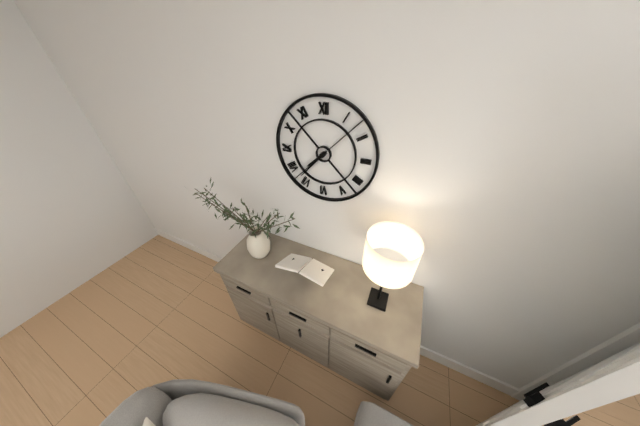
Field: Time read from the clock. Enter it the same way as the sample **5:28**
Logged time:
**7:37**
